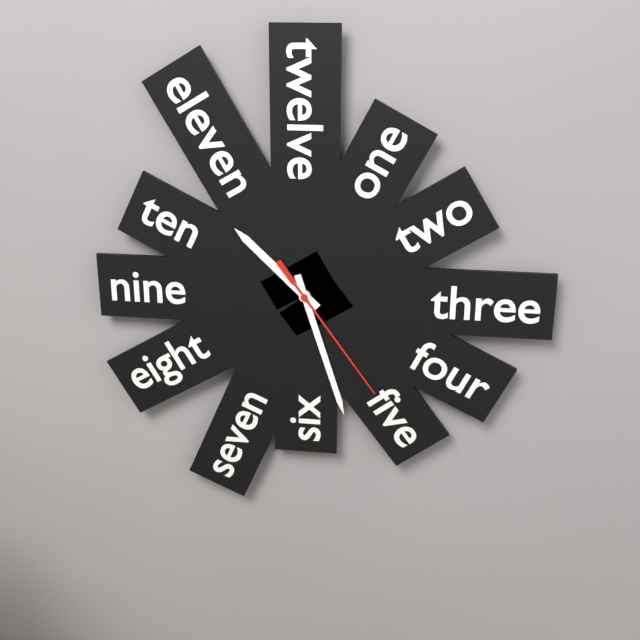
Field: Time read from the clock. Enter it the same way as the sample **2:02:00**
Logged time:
**10:27:24**
